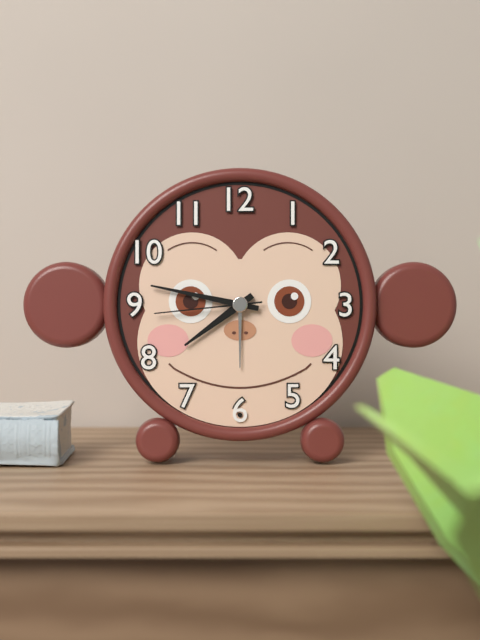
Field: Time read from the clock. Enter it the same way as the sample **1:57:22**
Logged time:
**7:47:44**
